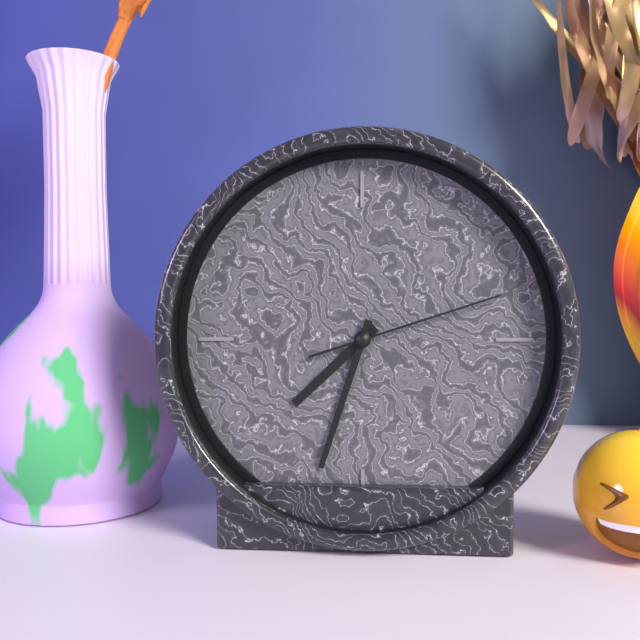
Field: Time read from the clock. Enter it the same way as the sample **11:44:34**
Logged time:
**7:33:12**
